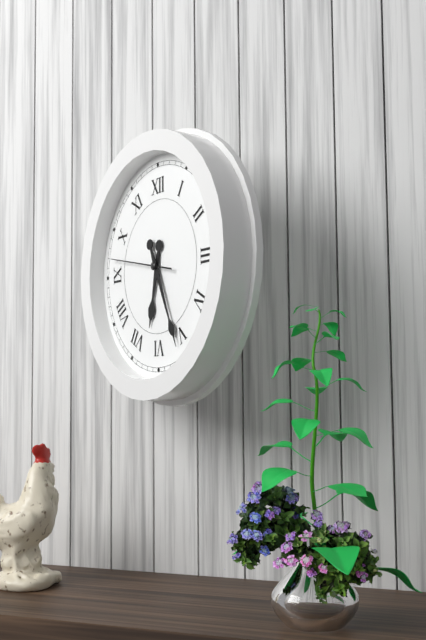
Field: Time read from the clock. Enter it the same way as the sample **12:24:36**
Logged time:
**6:26:47**
